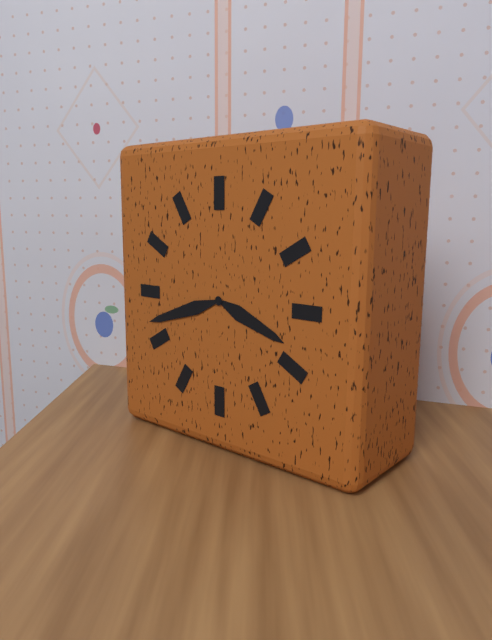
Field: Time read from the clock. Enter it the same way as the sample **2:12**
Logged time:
**3:42**
